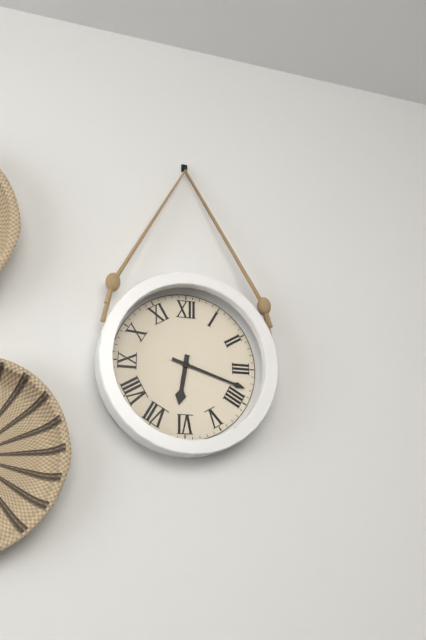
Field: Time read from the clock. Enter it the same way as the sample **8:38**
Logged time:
**6:18**
